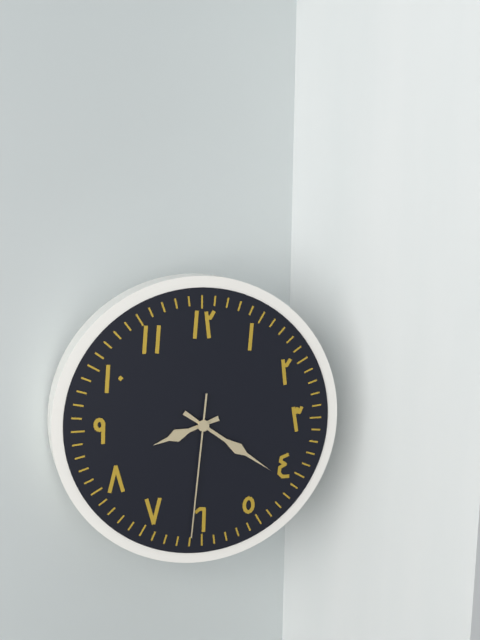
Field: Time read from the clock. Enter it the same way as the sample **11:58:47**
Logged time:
**8:21:31**
